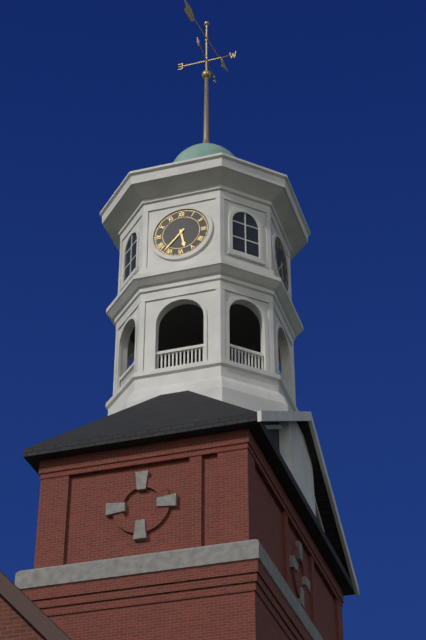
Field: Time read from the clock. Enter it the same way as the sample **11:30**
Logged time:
**5:37**
